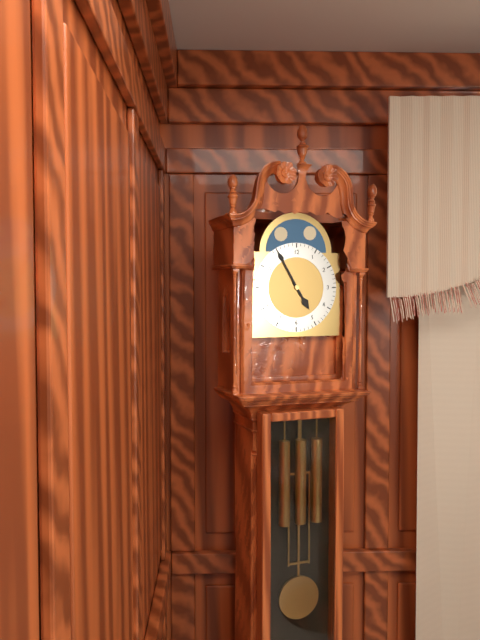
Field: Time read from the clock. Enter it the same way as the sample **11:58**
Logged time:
**4:55**
